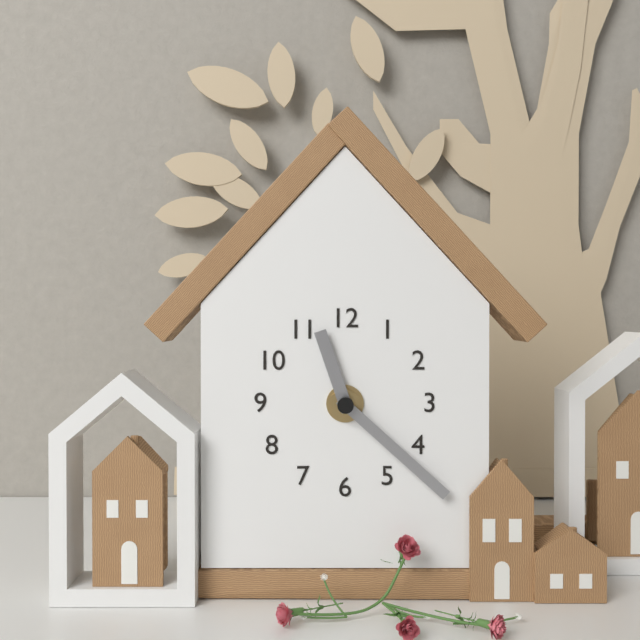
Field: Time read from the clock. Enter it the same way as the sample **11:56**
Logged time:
**11:22**
